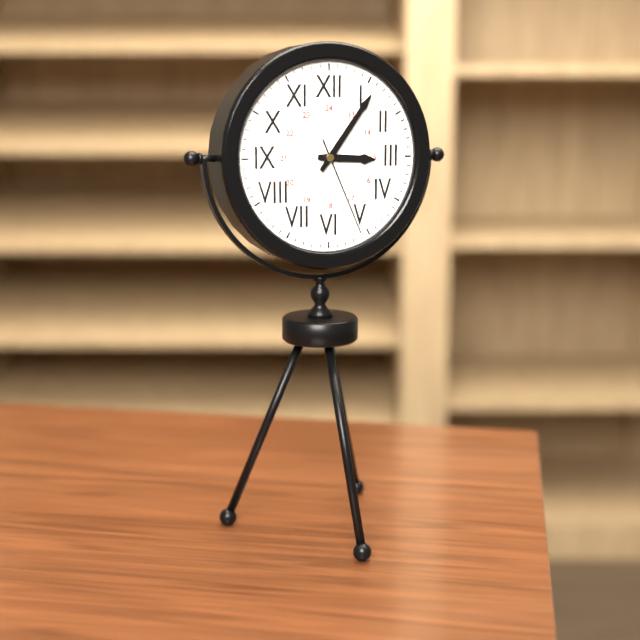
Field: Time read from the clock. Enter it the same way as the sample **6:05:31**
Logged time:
**3:06:26**
